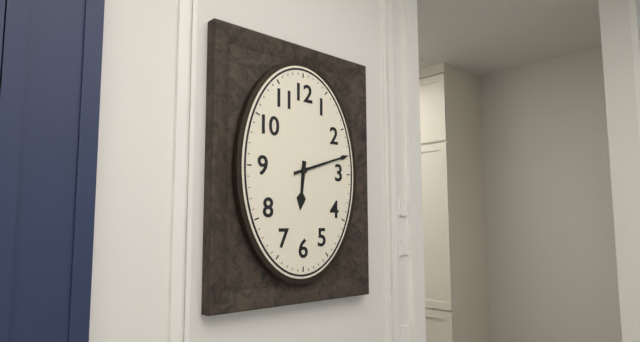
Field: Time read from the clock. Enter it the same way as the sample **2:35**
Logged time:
**6:12**
